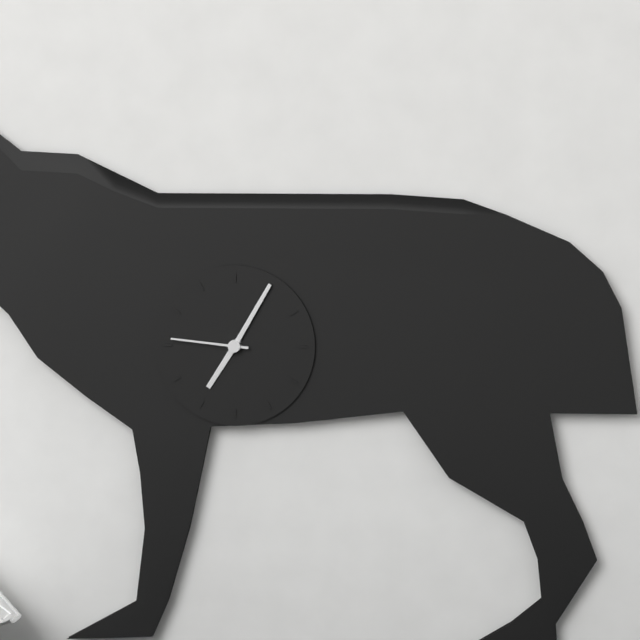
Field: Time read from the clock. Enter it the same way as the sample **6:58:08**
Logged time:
**7:05:46**
